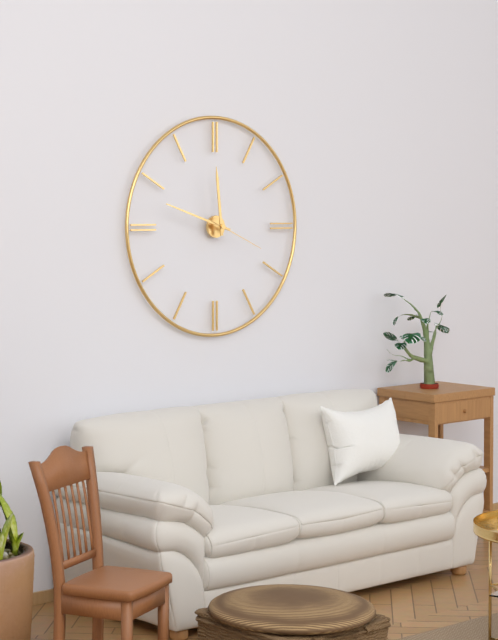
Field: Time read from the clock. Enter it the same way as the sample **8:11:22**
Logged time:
**11:48:19**
